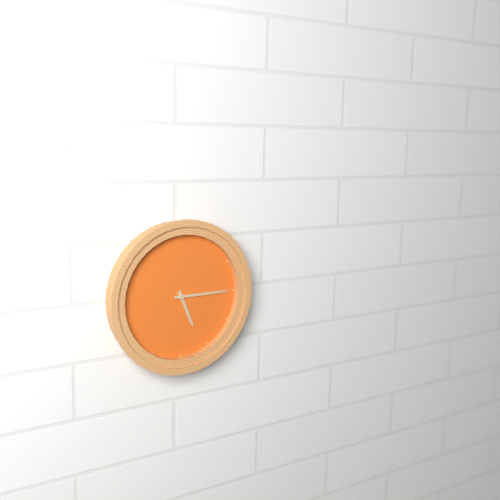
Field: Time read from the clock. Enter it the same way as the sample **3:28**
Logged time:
**5:15**
